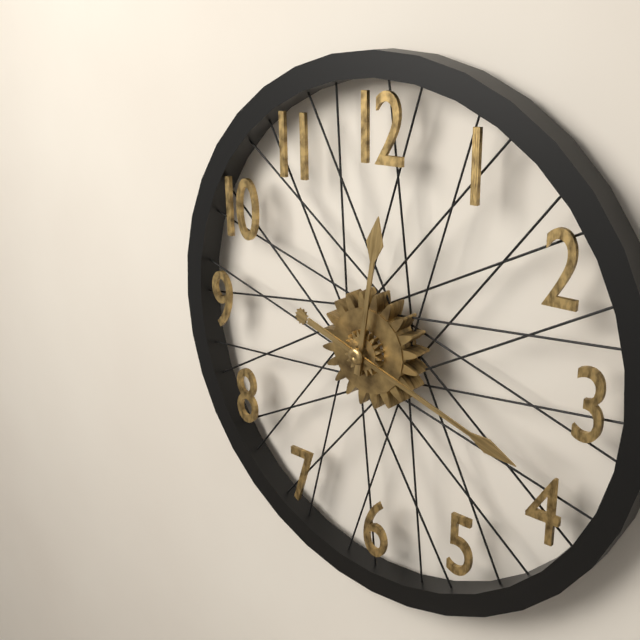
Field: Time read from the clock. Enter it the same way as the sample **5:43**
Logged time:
**12:18**
